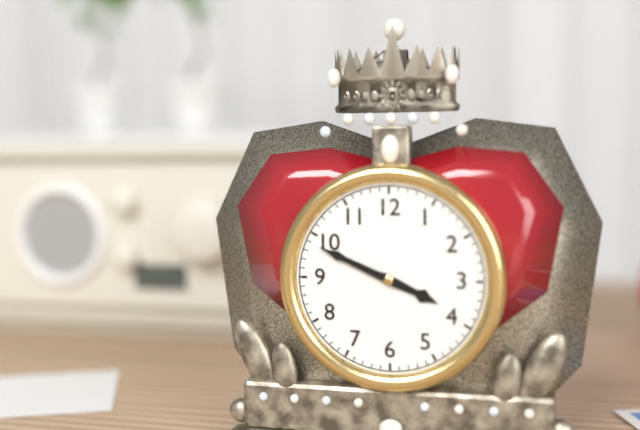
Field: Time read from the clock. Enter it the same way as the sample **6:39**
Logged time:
**3:49**
